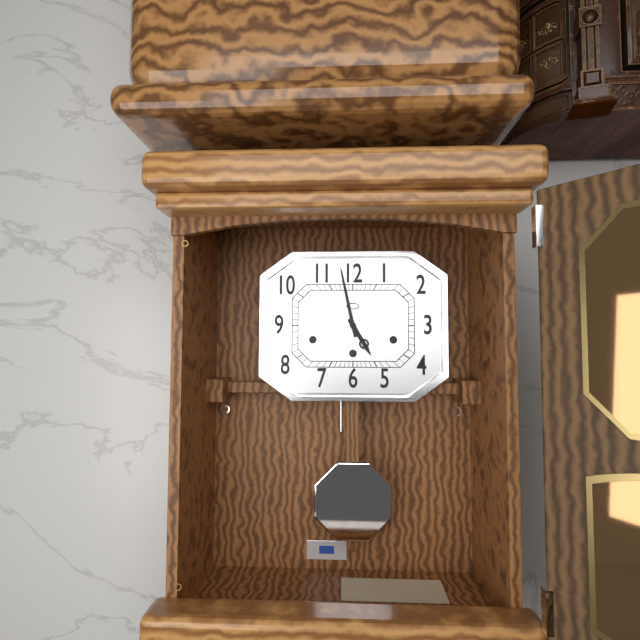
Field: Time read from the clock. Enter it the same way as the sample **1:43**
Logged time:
**4:58**
